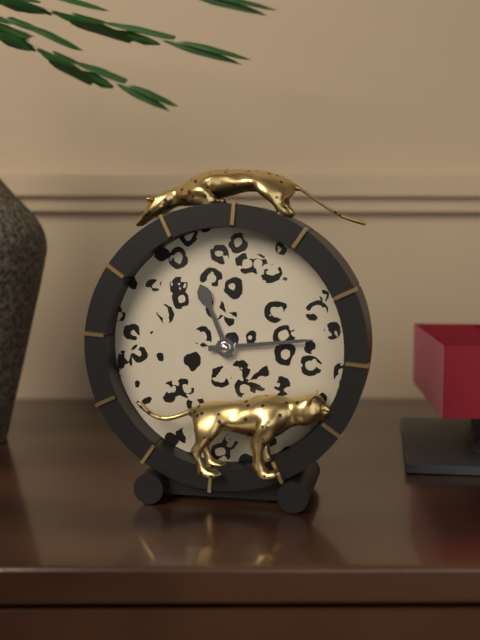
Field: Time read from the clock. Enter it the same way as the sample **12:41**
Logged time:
**11:14**
